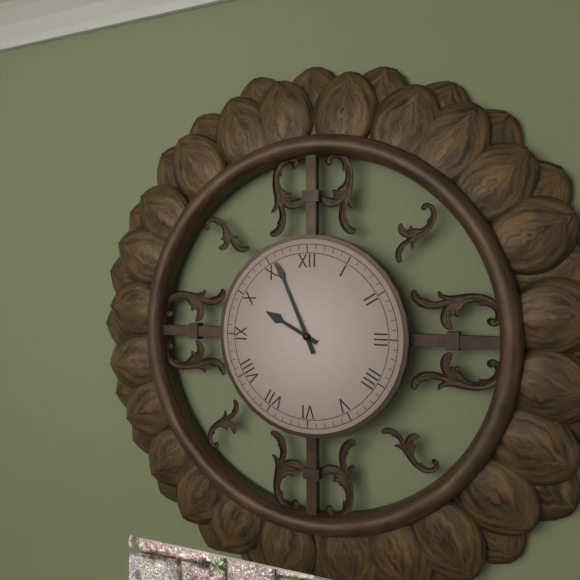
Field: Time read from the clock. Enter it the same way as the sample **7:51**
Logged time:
**9:56**
